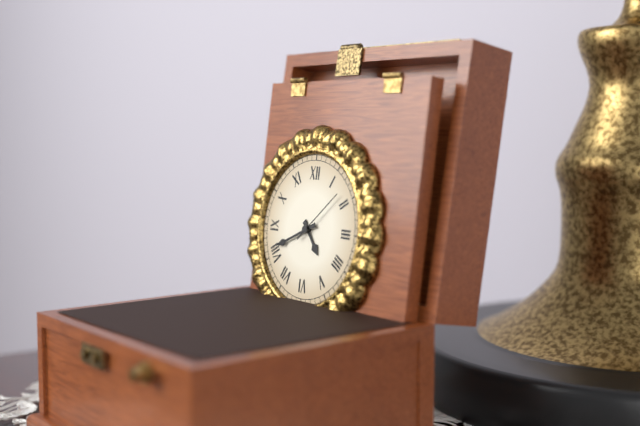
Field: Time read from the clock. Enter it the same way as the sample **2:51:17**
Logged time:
**4:41:08**
